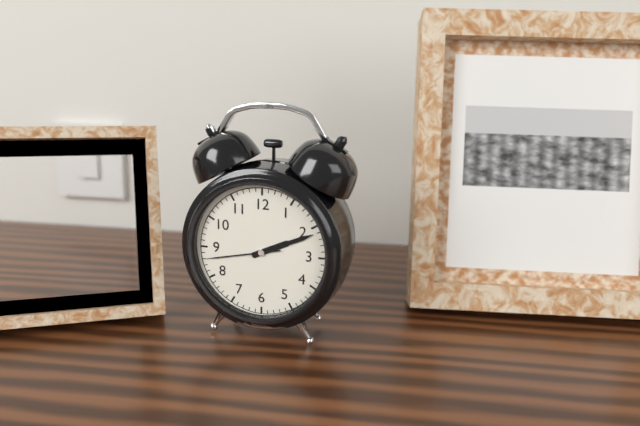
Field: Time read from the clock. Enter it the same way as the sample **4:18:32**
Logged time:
**2:11:43**
